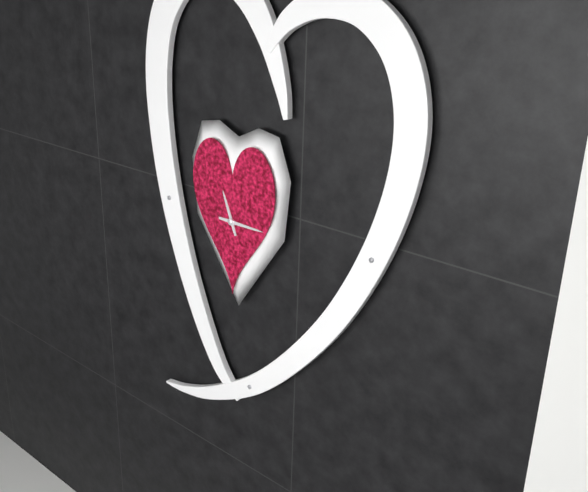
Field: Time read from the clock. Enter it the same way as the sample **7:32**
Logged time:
**11:15**
